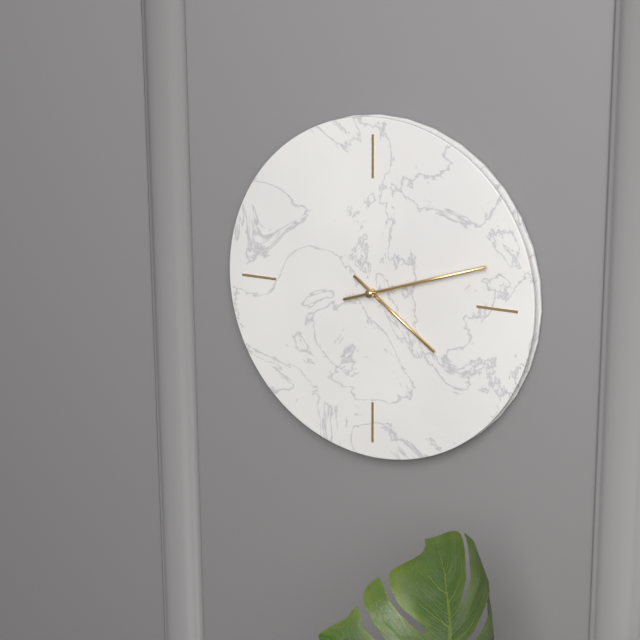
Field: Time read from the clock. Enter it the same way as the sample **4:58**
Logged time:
**4:12**
